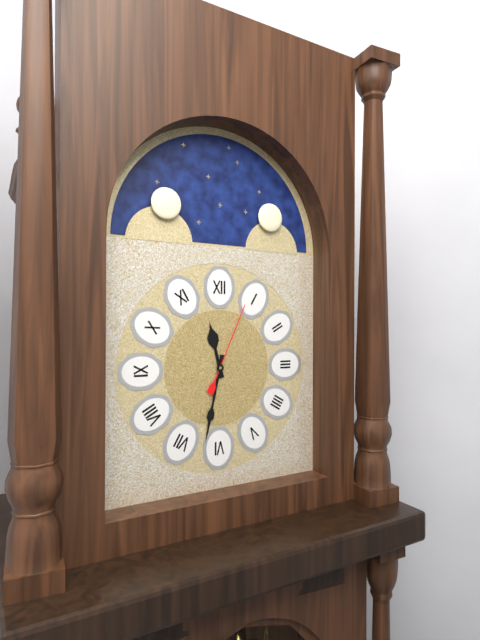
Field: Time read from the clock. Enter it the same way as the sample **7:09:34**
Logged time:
**11:32:04**
